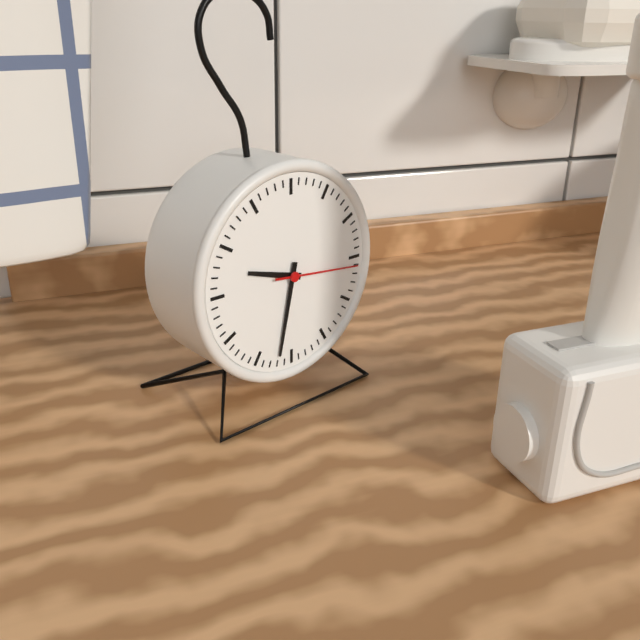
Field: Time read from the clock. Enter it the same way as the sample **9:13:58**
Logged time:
**9:32:16**
